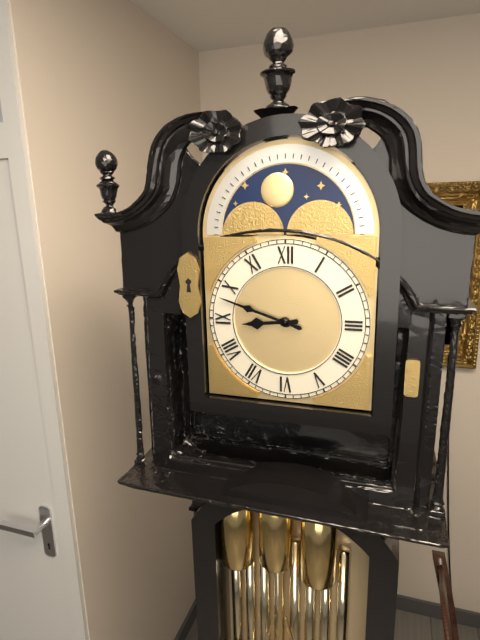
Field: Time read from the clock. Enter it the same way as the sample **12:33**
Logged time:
**8:48**
